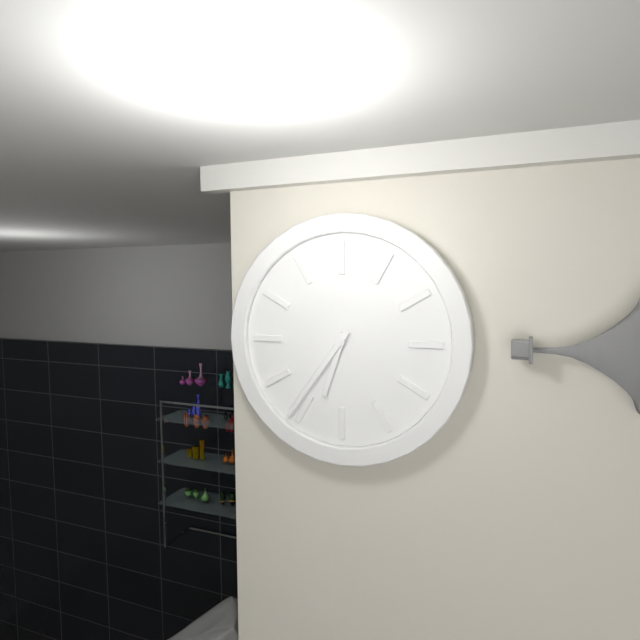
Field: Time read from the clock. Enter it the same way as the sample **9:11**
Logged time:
**6:36**
